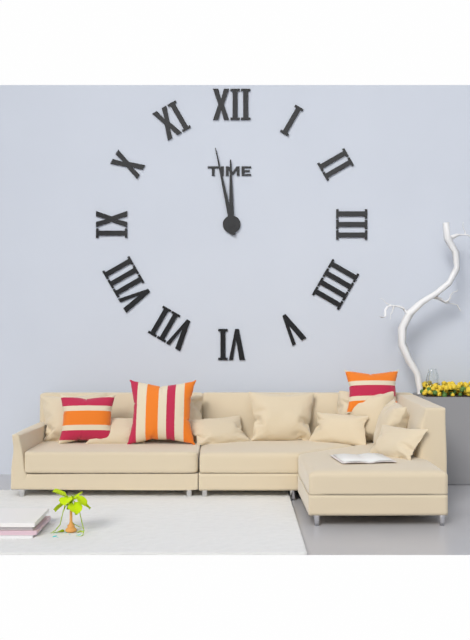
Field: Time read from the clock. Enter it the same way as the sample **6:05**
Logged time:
**11:58**
